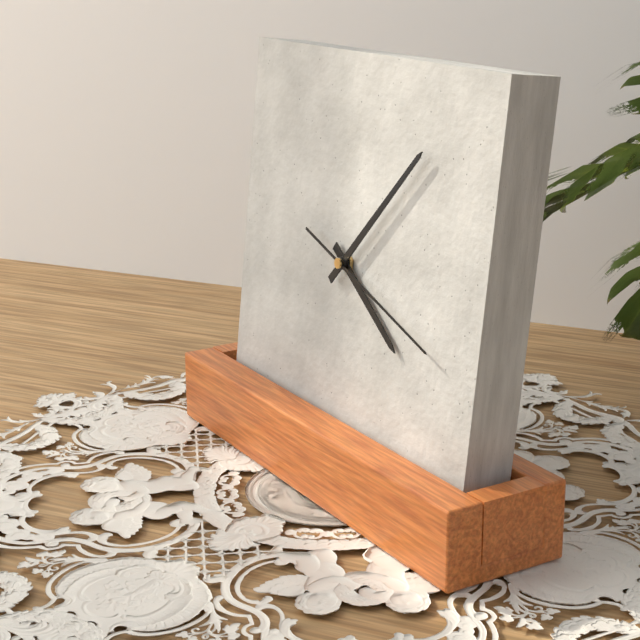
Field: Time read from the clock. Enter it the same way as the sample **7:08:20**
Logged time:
**4:07:18**
